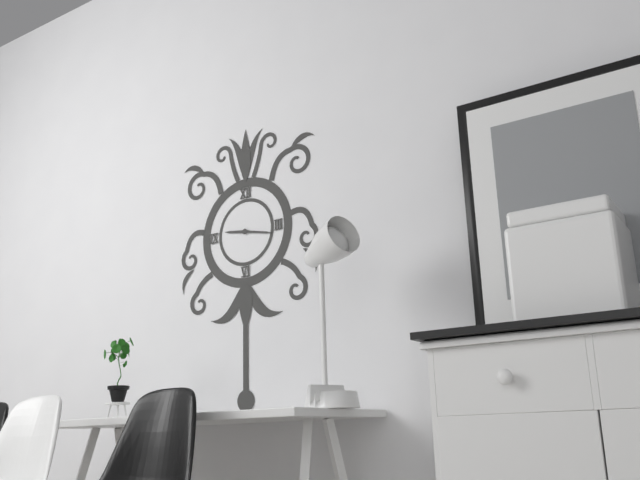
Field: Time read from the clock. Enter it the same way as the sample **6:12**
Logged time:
**9:17**
